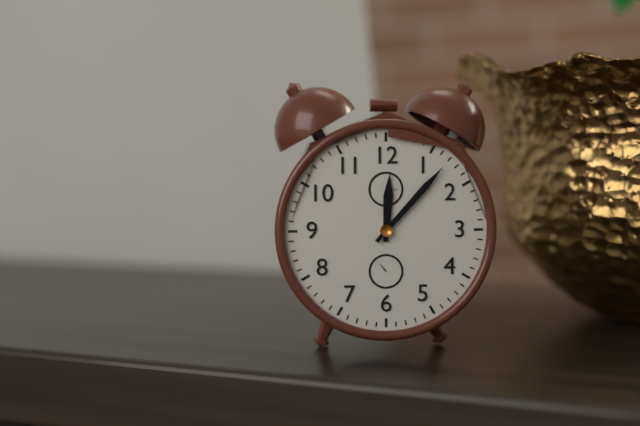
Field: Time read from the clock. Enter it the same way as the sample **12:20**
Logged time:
**12:07**
